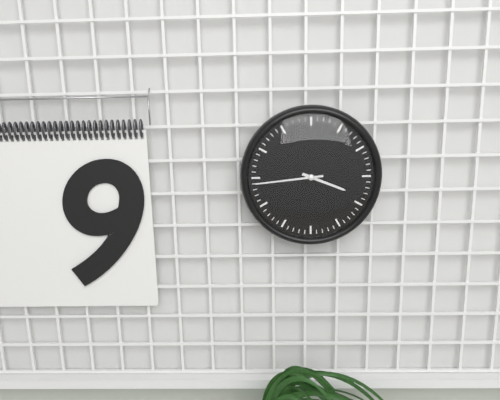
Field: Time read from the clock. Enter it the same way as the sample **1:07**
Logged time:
**3:44**
